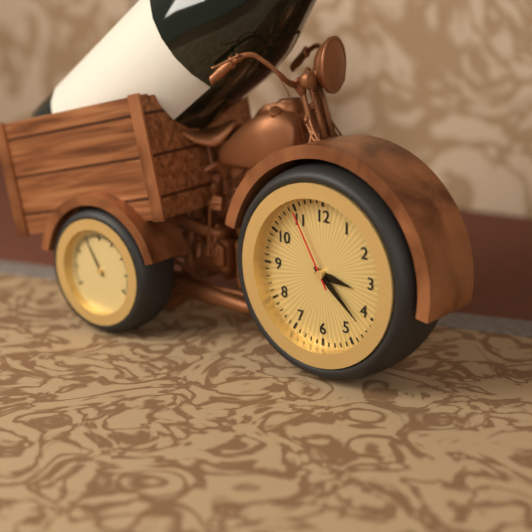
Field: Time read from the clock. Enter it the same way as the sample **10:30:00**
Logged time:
**3:22:55**
